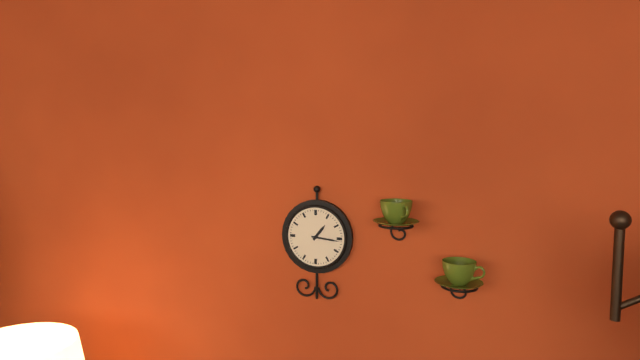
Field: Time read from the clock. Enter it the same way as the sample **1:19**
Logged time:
**1:16**
